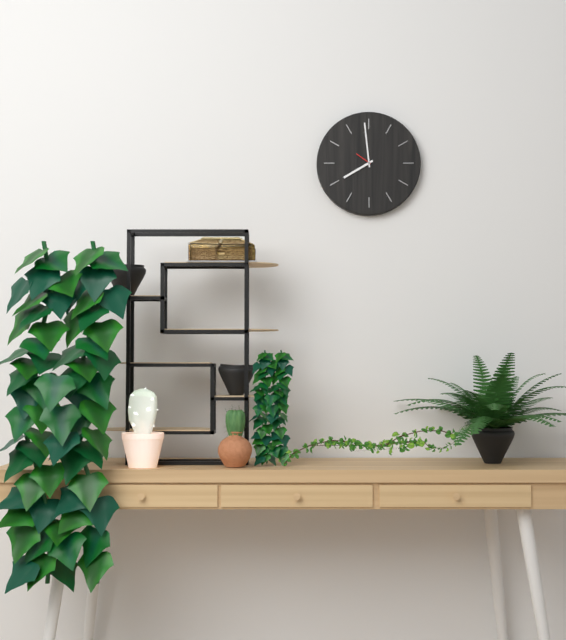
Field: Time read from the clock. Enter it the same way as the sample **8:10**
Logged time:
**7:59**
